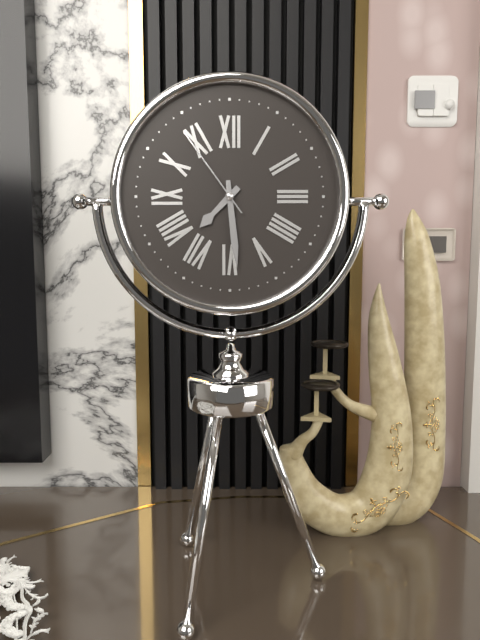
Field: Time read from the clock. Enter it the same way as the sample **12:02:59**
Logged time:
**7:29:54**
